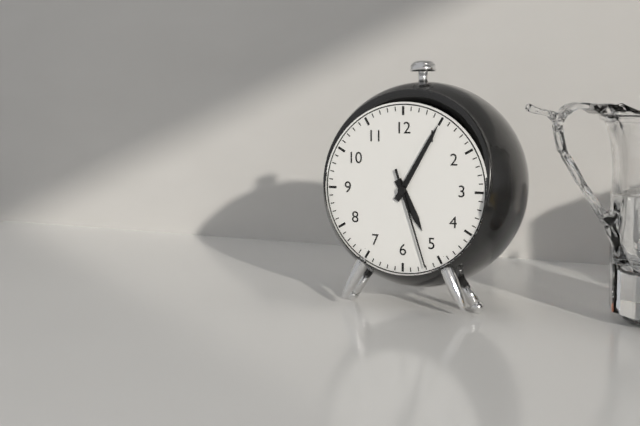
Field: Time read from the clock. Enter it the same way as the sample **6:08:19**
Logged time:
**5:05:27**
